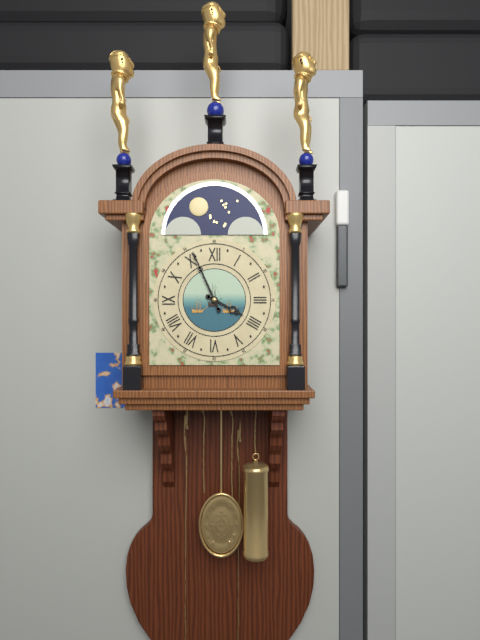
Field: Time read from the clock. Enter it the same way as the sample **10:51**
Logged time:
**3:56**
